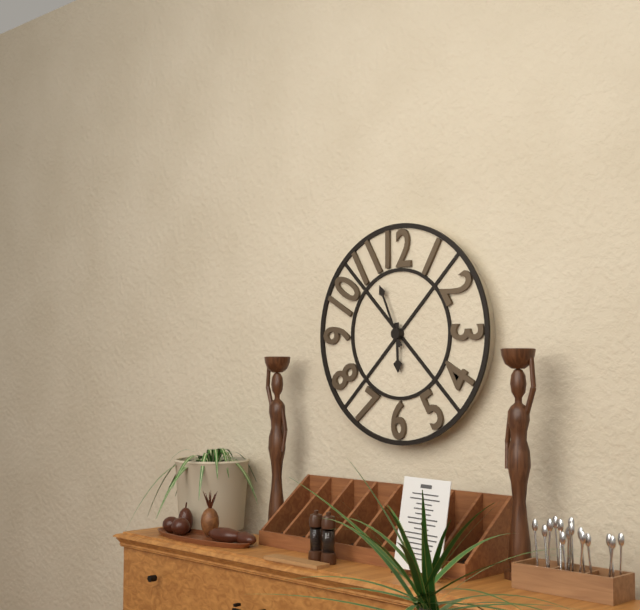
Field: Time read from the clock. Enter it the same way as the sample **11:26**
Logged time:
**5:56**
